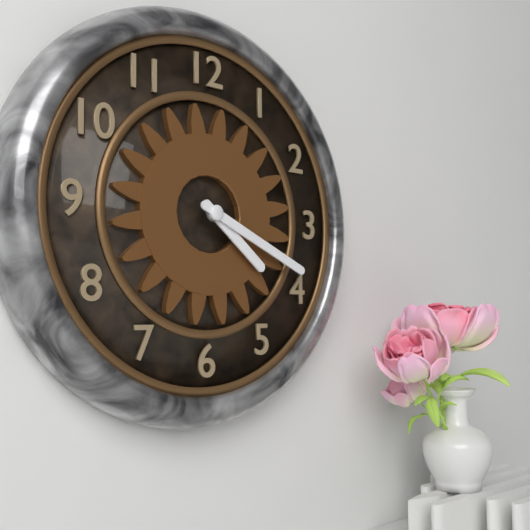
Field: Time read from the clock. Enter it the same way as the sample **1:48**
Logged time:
**4:19**
